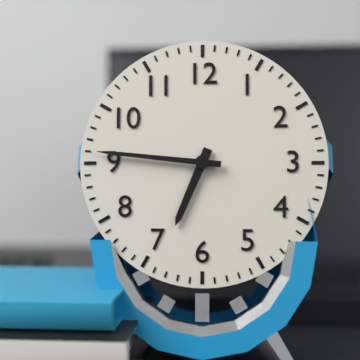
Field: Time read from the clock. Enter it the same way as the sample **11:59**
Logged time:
**6:46**
